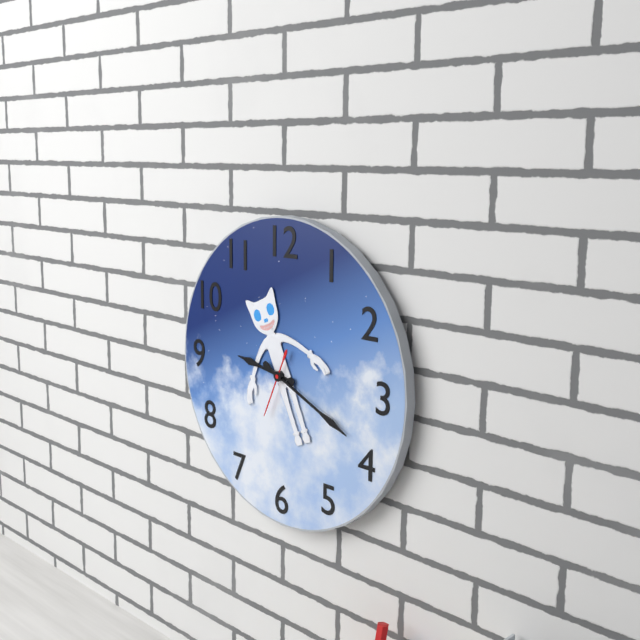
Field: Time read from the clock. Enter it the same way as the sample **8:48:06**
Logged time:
**9:19:34**
